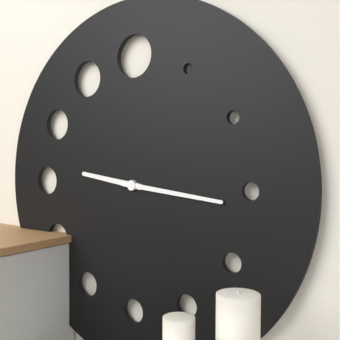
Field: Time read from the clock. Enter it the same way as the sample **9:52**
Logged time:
**9:16**
